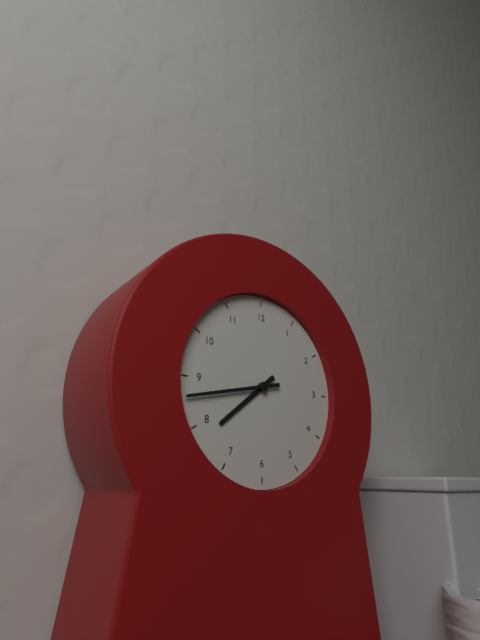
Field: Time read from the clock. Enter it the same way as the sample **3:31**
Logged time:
**7:43**
